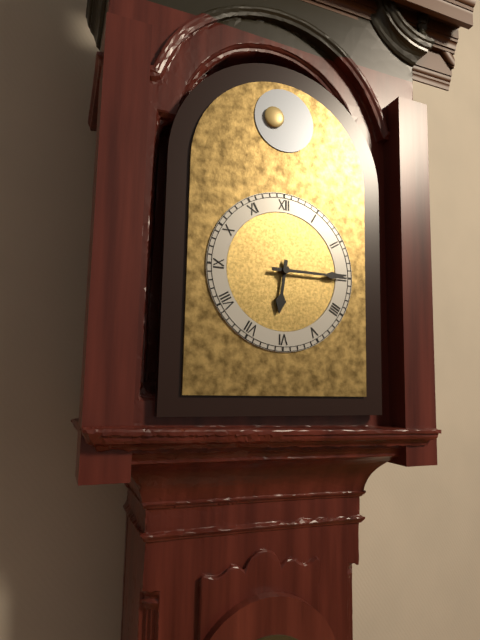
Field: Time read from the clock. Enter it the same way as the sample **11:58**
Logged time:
**6:15**
